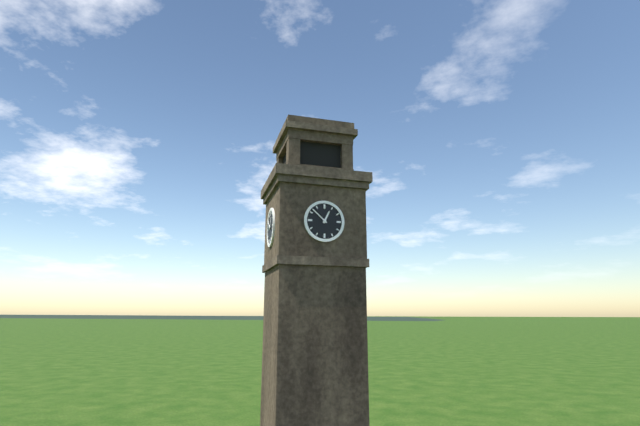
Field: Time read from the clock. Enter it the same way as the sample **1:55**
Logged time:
**12:52**
